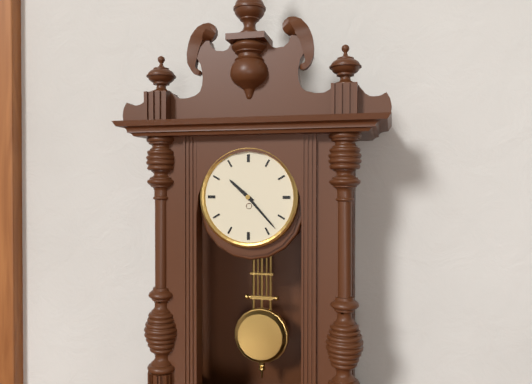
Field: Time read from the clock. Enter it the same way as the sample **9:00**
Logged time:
**10:23**
